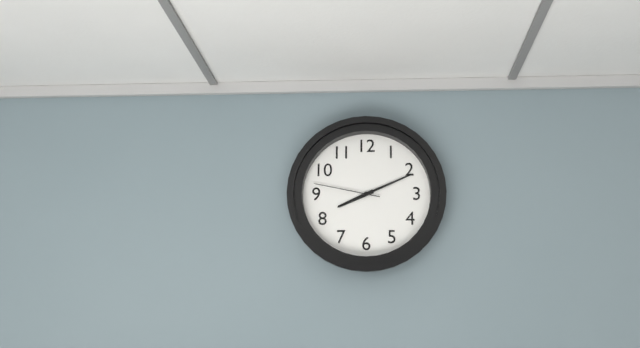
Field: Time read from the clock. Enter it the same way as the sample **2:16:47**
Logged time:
**8:11:47**
